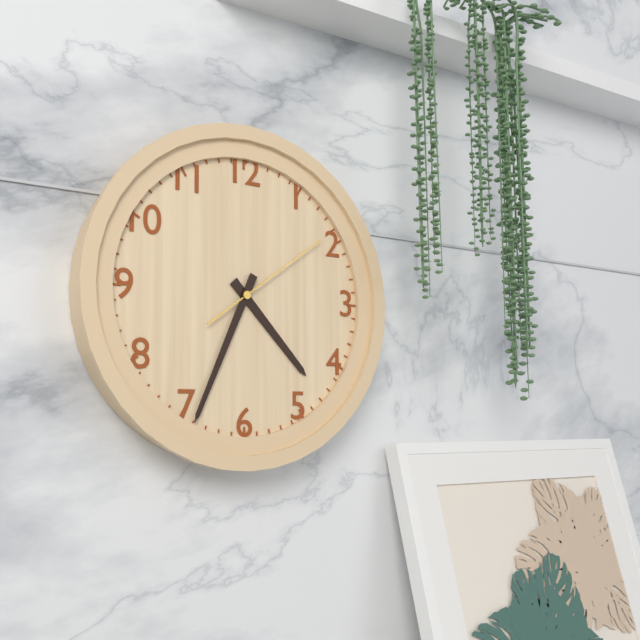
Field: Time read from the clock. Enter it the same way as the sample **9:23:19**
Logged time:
**4:34:09**
